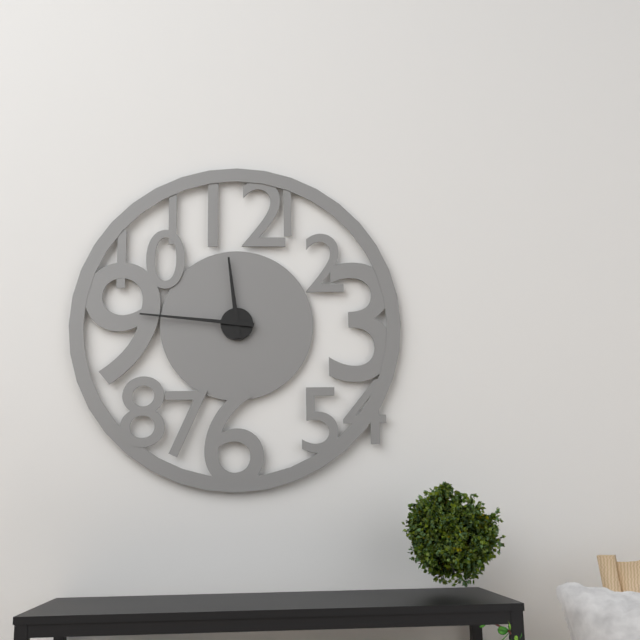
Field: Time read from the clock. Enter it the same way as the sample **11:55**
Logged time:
**11:46**
